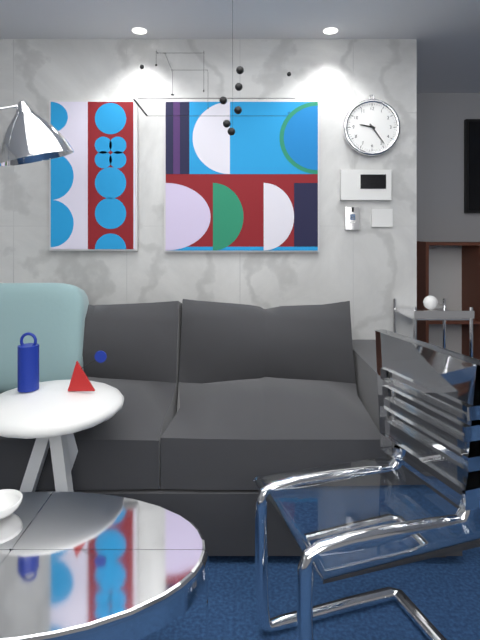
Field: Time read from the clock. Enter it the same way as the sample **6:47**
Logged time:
**9:24**
